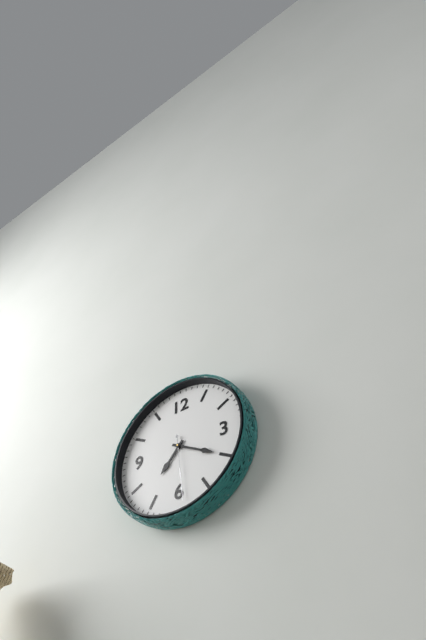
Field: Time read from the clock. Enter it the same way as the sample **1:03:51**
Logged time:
**7:20:29**
